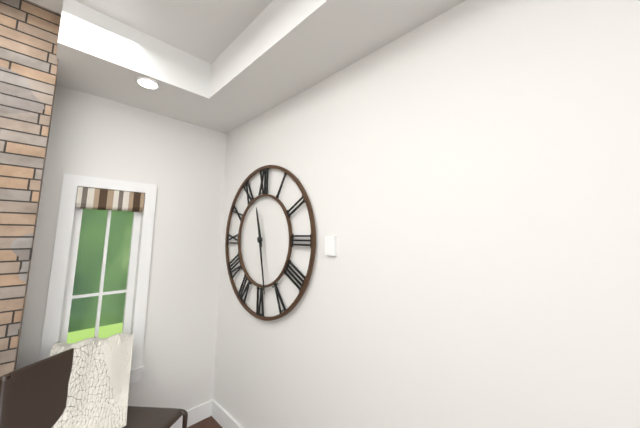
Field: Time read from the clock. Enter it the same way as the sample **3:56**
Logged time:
**11:28**
